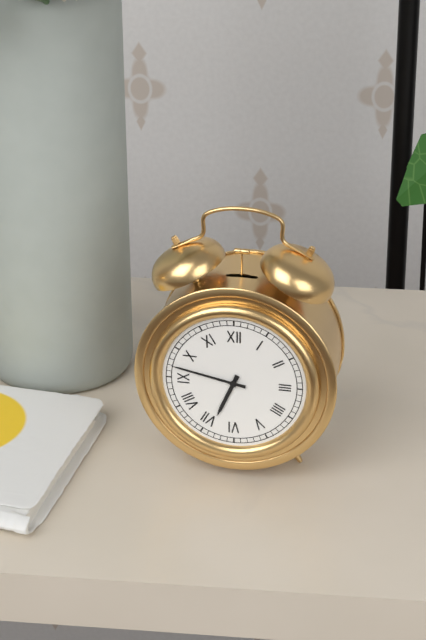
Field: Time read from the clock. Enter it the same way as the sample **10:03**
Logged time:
**6:47**
